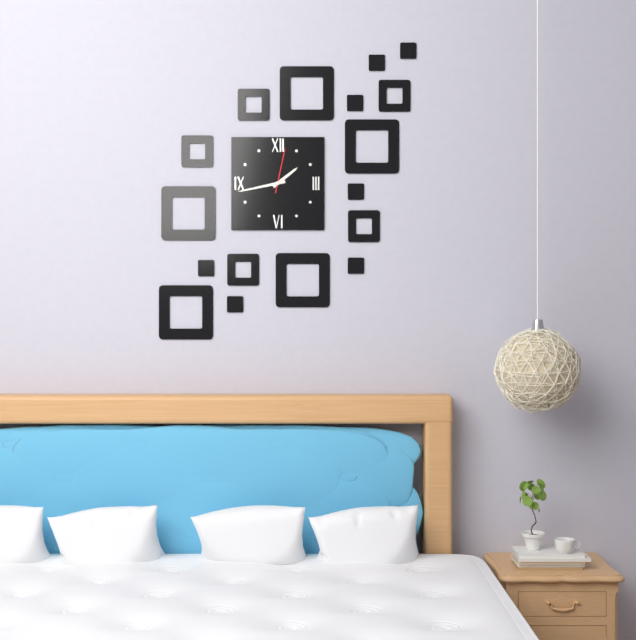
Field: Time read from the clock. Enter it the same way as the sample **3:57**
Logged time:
**1:43**
